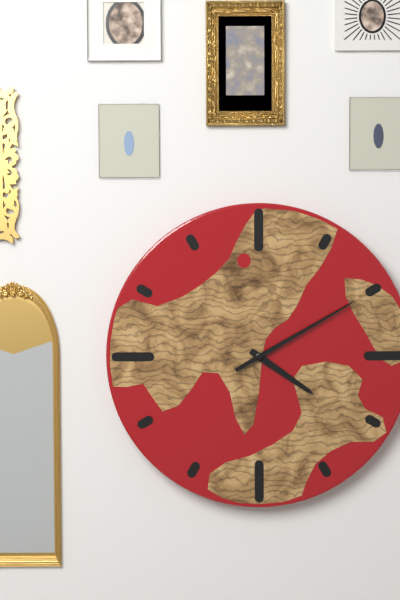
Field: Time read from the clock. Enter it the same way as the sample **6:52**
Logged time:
**4:10**
